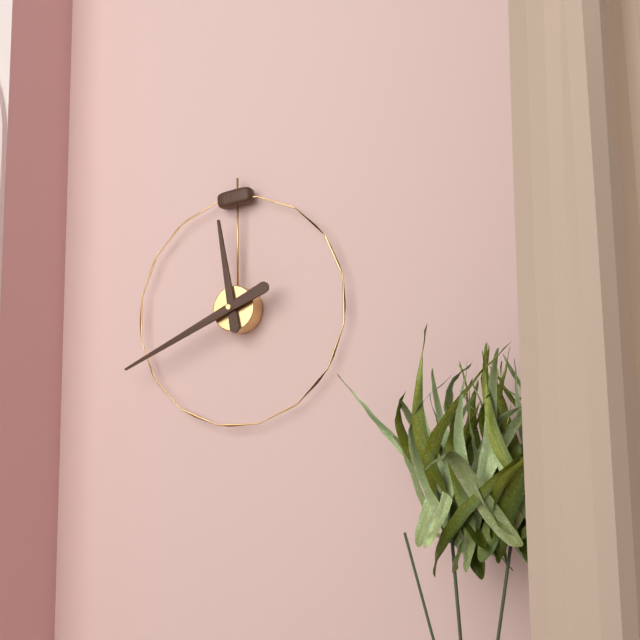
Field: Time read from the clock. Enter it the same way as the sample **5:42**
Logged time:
**11:41**
